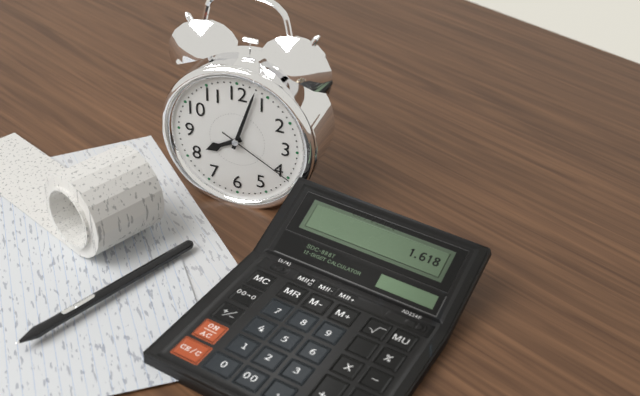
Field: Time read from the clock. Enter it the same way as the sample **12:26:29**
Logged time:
**8:03:20**
